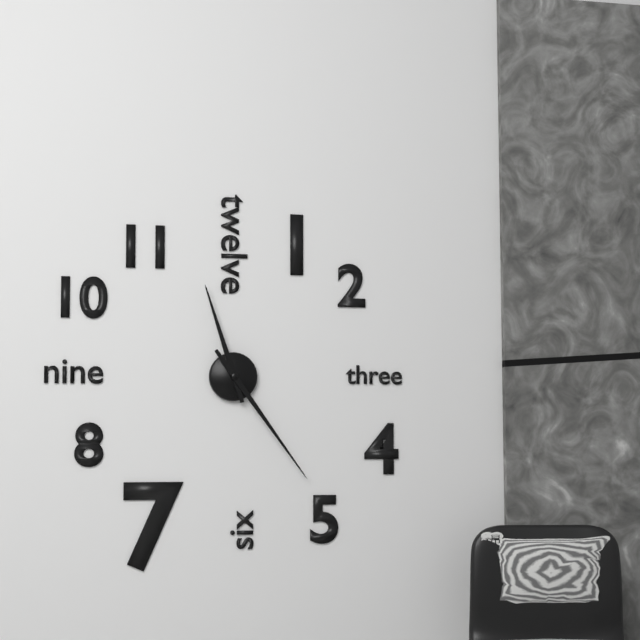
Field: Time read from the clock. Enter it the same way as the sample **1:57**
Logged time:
**11:24**
